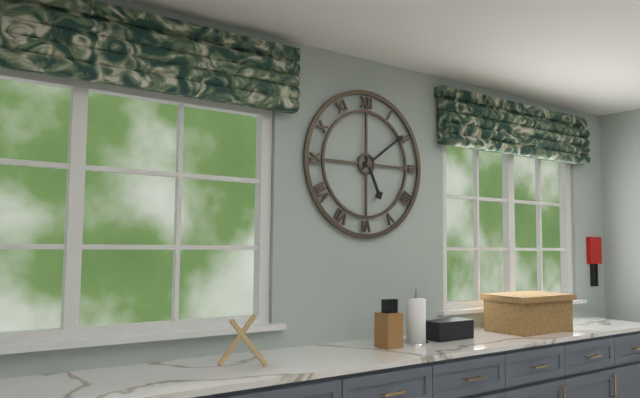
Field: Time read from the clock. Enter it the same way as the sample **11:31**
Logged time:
**5:09**
